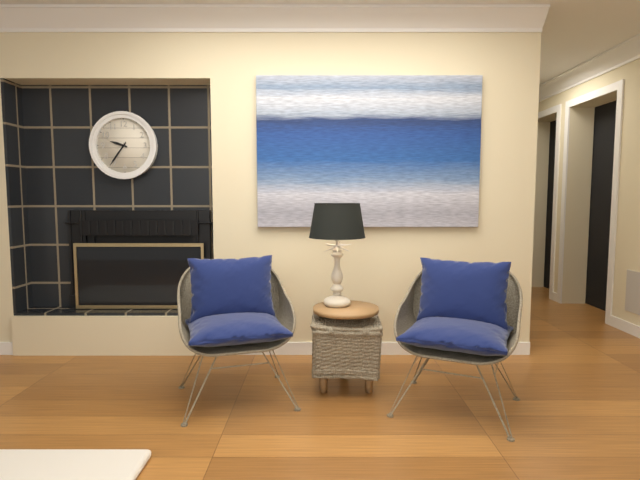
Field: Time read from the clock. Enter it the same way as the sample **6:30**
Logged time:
**9:36**
